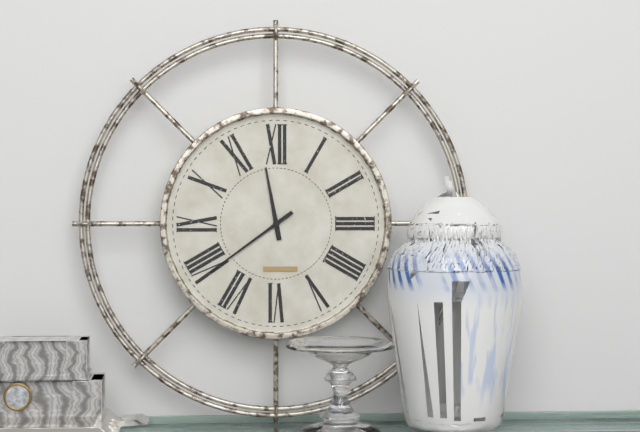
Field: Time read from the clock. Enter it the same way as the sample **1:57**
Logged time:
**11:39**
